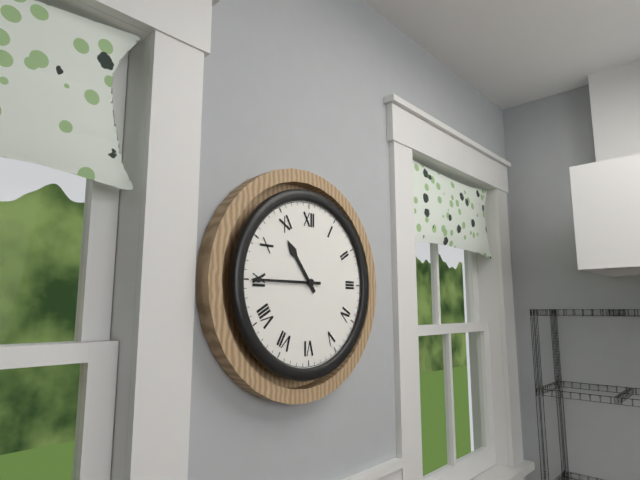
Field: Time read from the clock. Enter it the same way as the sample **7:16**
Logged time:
**10:45**
